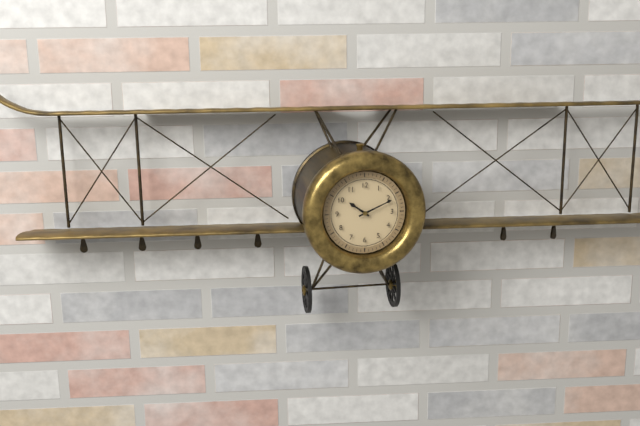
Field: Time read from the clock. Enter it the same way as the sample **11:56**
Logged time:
**10:11**
